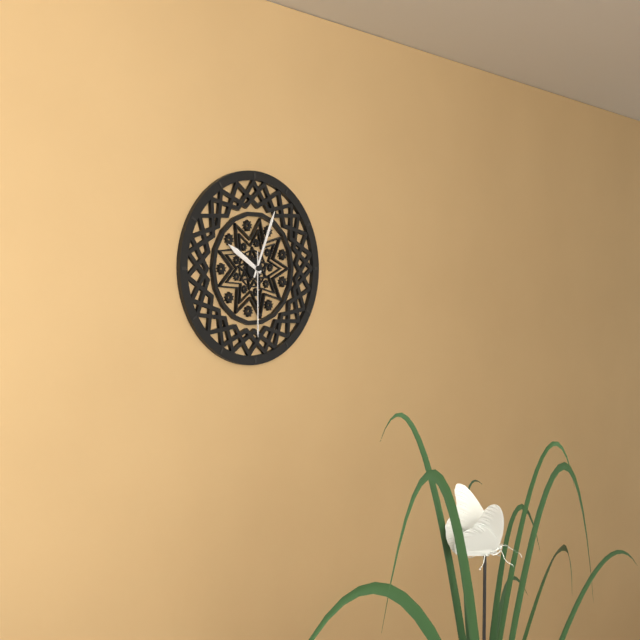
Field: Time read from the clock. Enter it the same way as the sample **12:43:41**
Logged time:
**10:04:30**
